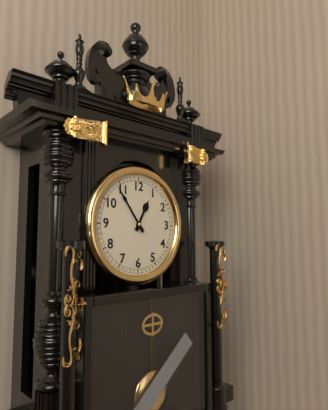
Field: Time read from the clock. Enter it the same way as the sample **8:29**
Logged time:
**12:54**
